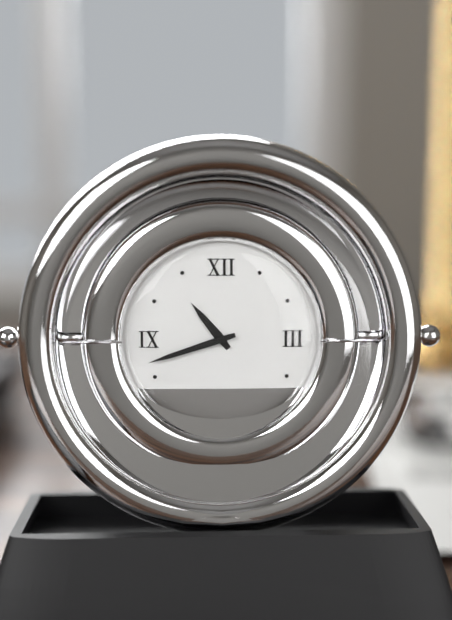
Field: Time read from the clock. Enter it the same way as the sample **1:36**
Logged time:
**10:42**
